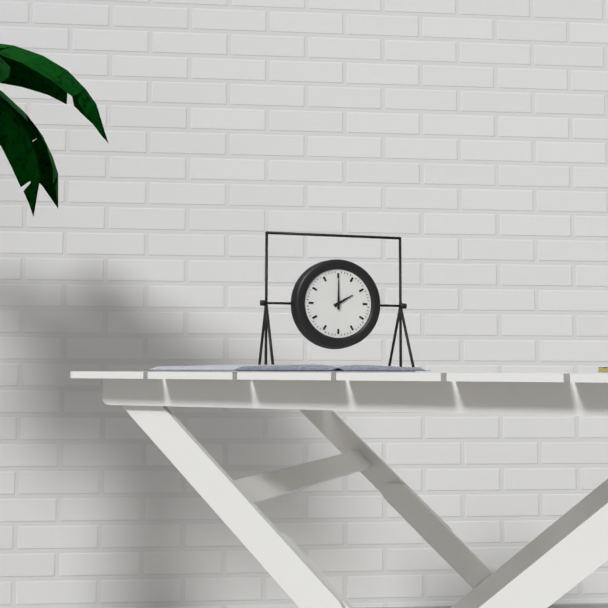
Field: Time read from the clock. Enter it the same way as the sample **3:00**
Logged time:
**2:00**
